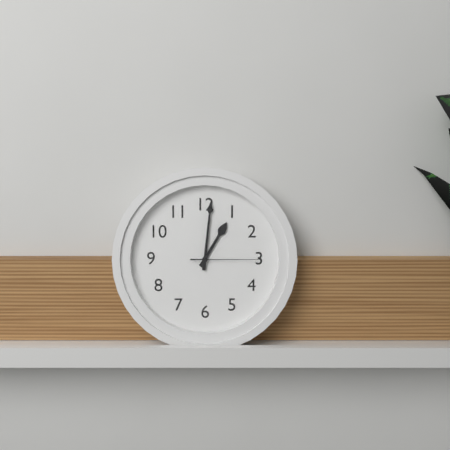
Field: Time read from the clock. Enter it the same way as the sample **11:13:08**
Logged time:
**1:01:15**
